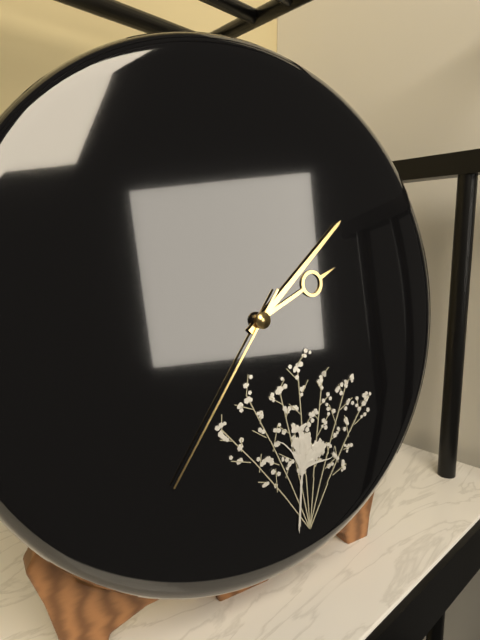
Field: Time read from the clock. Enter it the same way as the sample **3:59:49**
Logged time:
**2:08:36**
